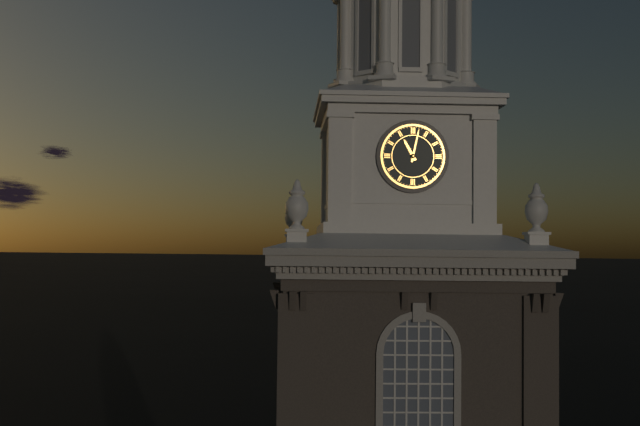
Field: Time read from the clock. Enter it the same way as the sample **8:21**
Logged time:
**11:02**
